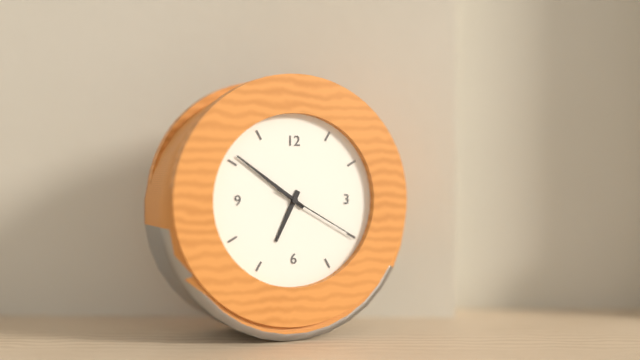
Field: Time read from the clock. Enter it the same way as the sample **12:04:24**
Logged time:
**6:51:20**
